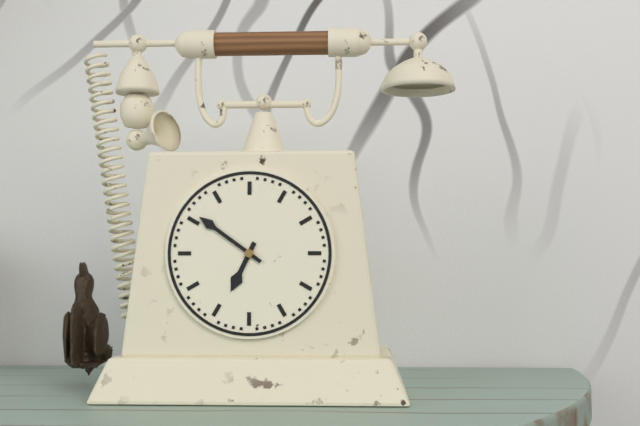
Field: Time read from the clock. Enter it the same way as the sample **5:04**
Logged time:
**6:51**
